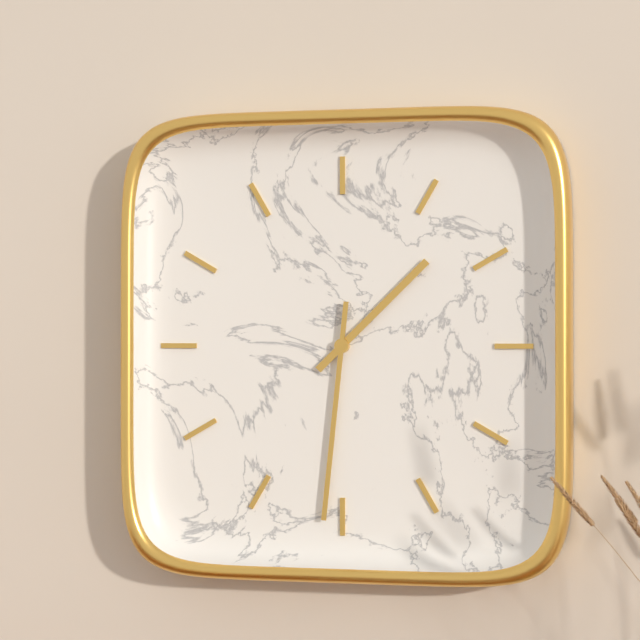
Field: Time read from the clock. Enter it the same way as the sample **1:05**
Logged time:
**1:31**
